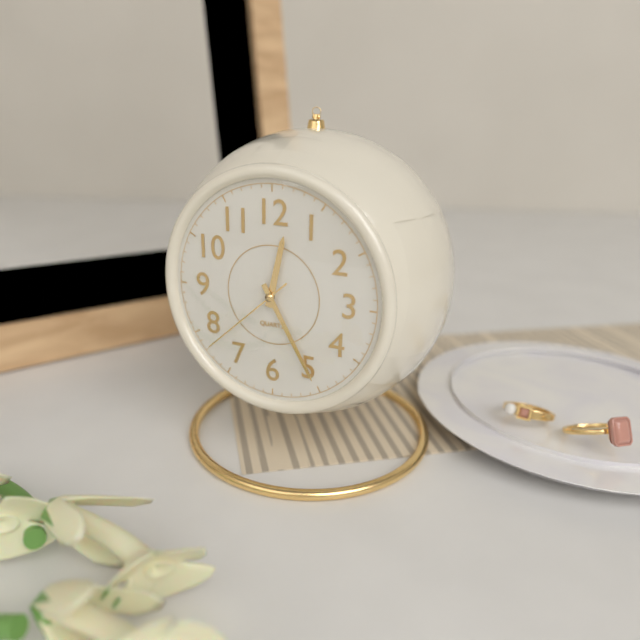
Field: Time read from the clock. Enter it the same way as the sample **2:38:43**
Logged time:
**12:25:38**
